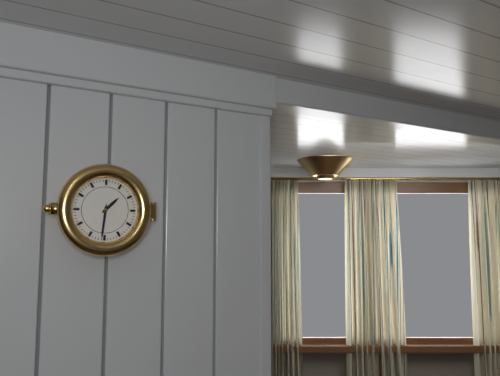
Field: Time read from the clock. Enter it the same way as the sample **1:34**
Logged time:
**1:31**
